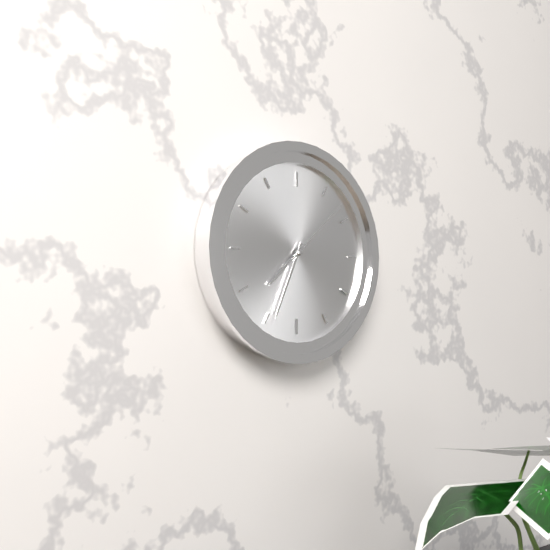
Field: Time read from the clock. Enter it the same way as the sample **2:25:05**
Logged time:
**7:34:08**
